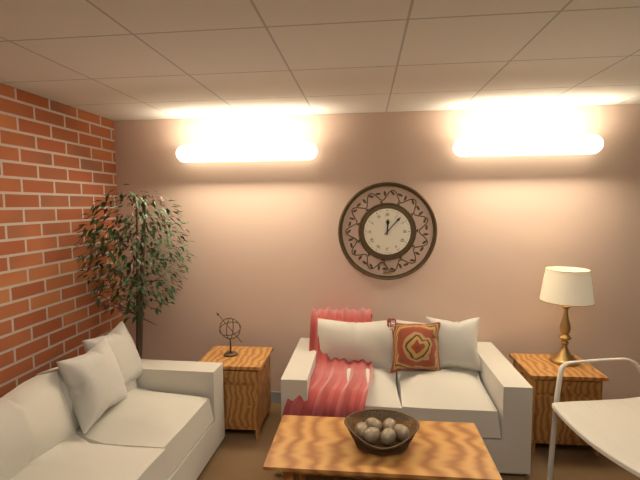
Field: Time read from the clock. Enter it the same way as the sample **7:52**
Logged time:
**12:07**
